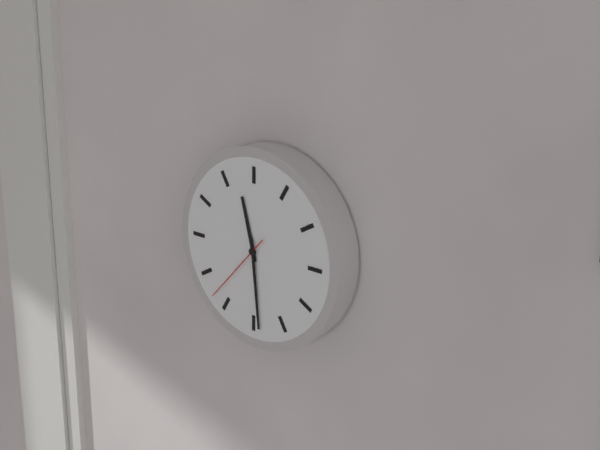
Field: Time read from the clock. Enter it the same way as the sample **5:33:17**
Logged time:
**11:29:37**
